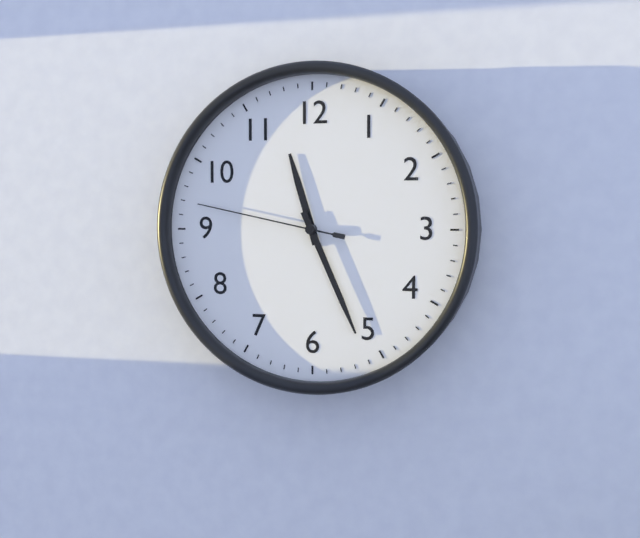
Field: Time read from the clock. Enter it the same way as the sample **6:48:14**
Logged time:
**11:26:47**
